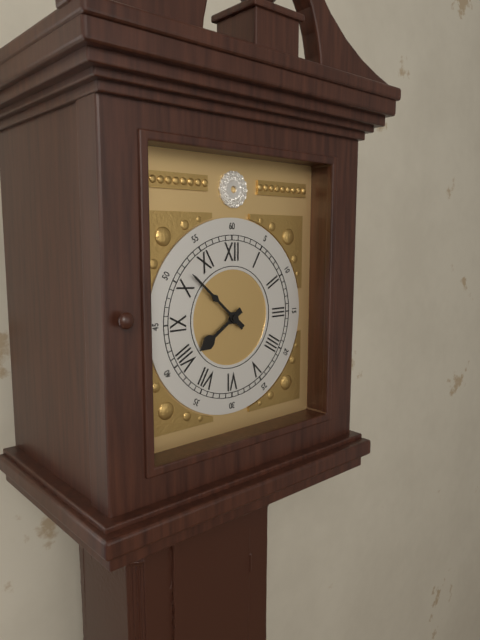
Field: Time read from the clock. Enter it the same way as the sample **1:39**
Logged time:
**7:52**
